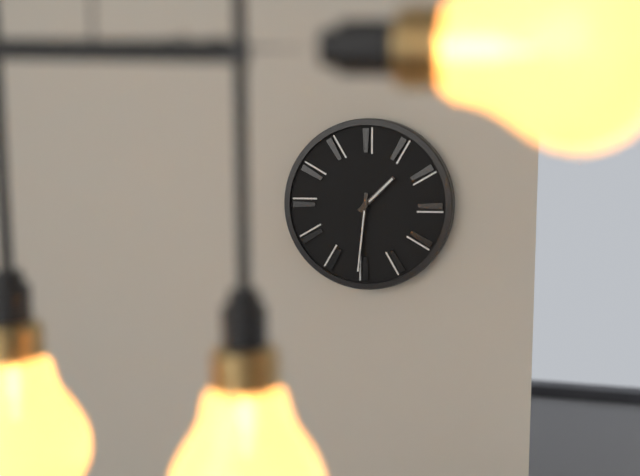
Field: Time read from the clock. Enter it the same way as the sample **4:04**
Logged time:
**1:31**
